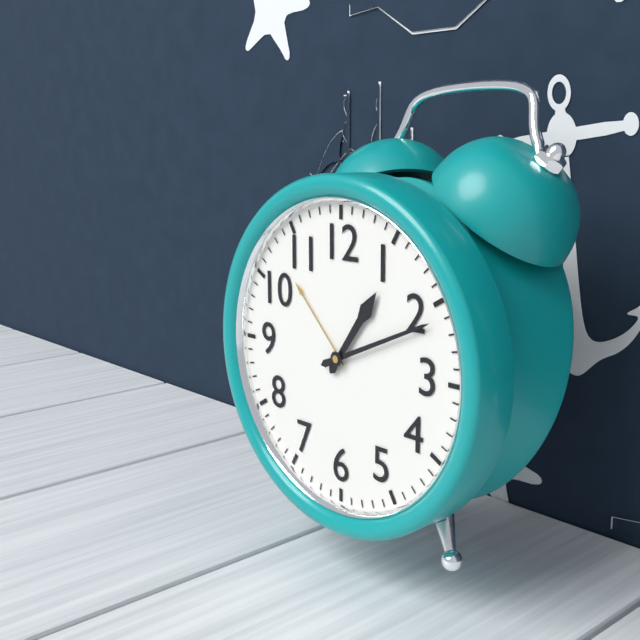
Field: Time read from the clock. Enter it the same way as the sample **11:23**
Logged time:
**1:11**
